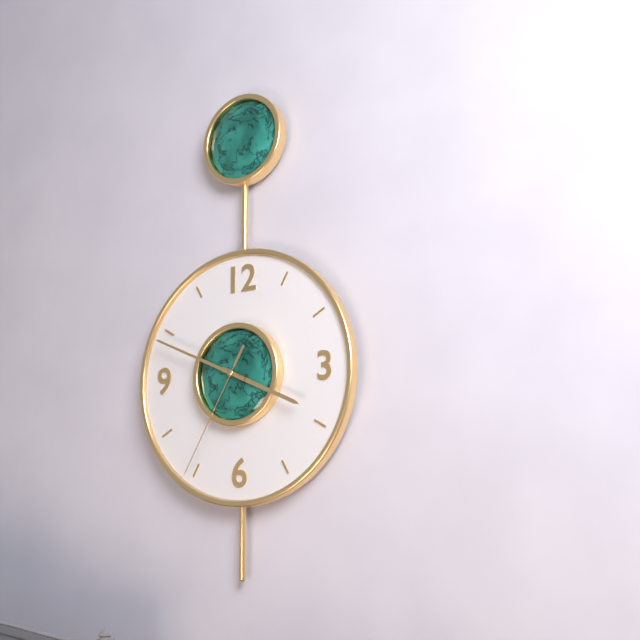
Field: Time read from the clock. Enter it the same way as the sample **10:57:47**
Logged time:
**3:49:35**
